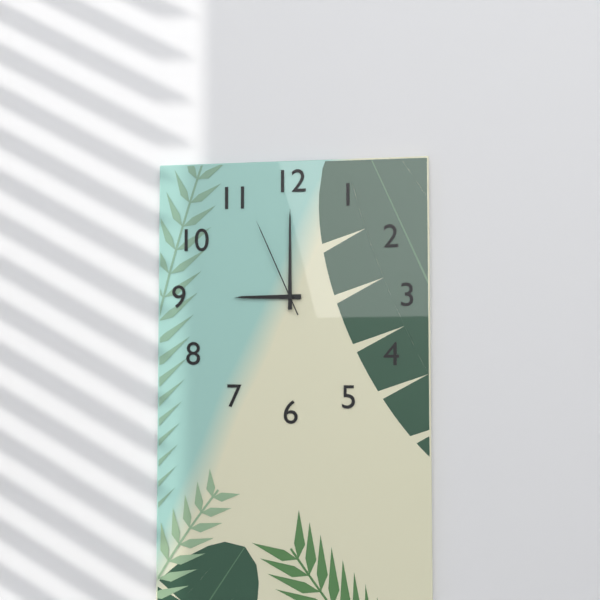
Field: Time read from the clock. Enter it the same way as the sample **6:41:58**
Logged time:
**9:00:56**
